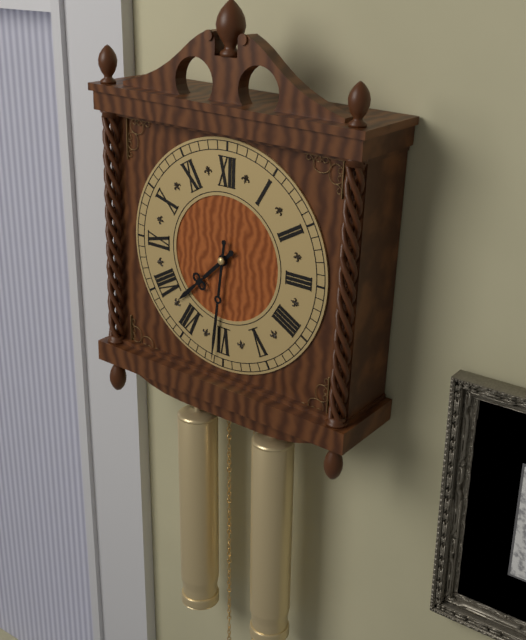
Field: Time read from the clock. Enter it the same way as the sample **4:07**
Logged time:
**7:31**
